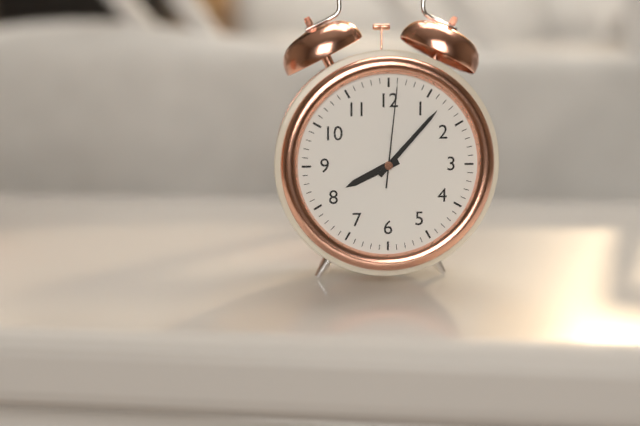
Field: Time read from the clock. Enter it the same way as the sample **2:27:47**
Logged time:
**8:07:01**
